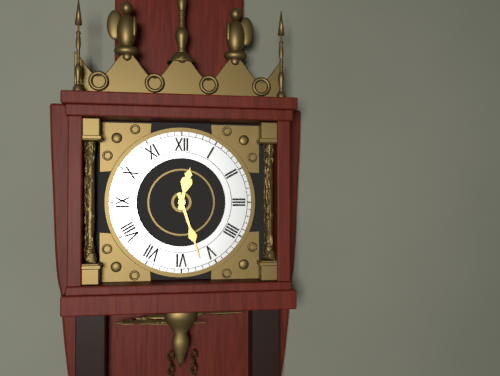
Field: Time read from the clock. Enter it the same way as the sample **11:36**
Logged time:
**12:27**
